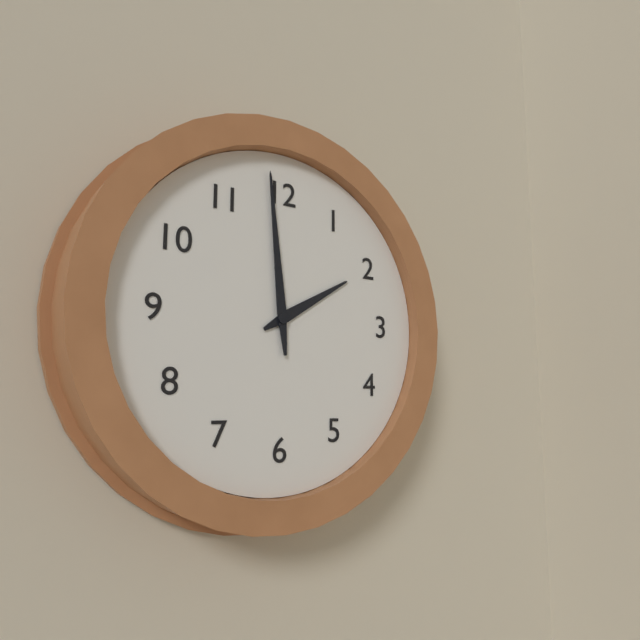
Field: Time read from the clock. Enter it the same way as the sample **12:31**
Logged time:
**1:59**
